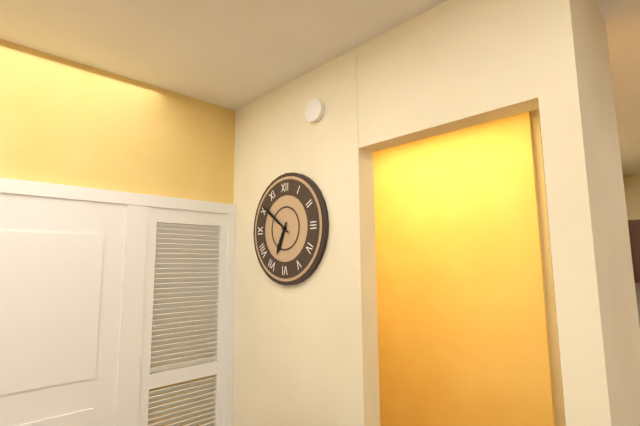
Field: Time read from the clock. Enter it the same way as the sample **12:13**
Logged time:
**6:51**
